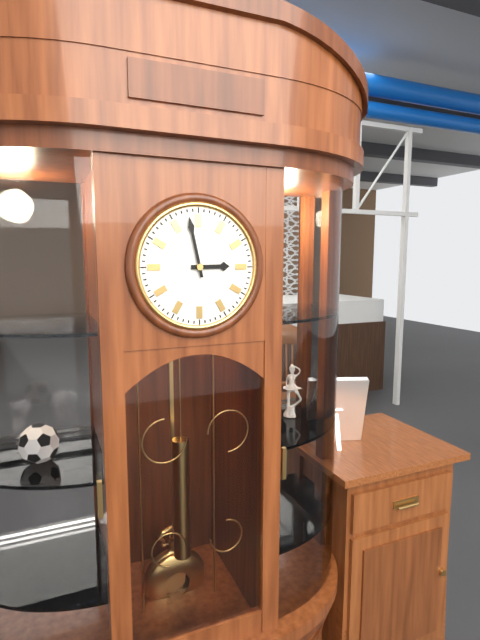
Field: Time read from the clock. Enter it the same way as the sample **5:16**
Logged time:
**2:58**
